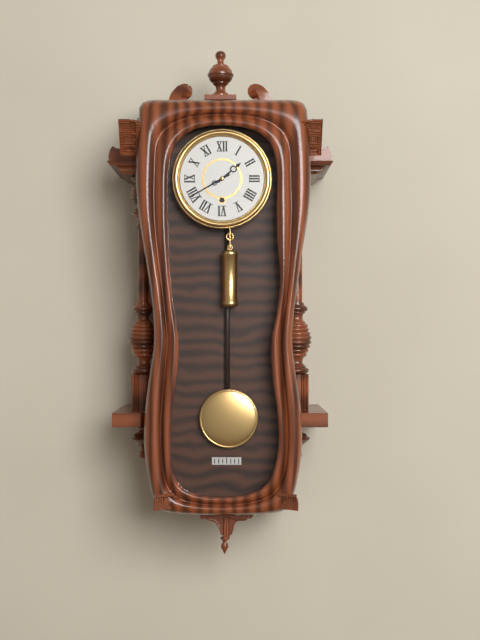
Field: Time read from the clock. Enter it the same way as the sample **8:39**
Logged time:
**1:40**
